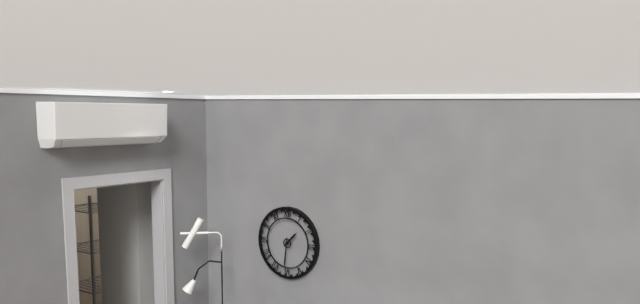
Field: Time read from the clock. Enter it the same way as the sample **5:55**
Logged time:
**1:31**
